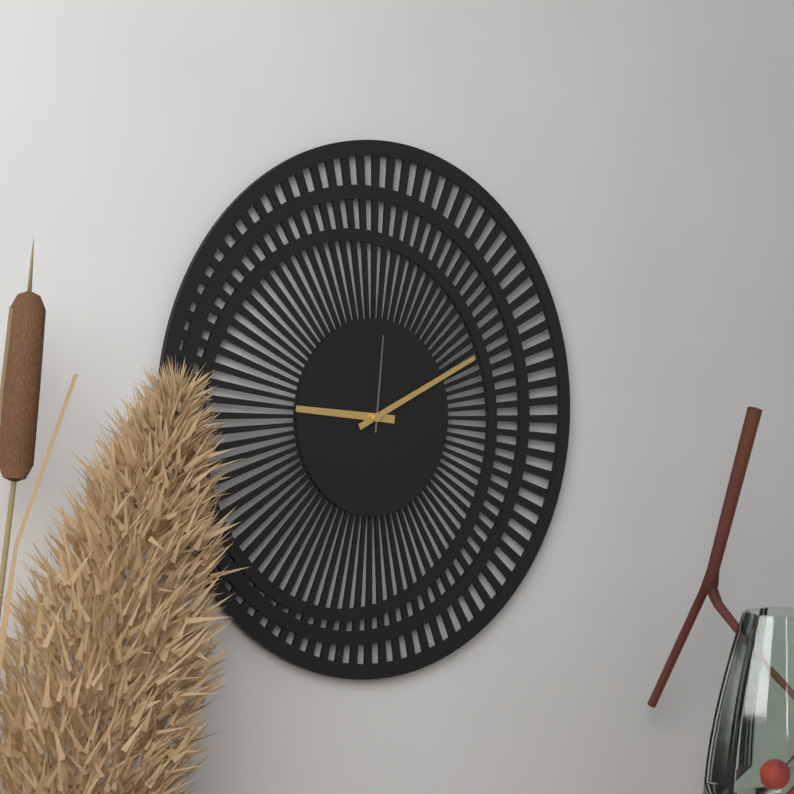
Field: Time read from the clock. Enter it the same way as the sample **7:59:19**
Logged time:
**9:11:01**
